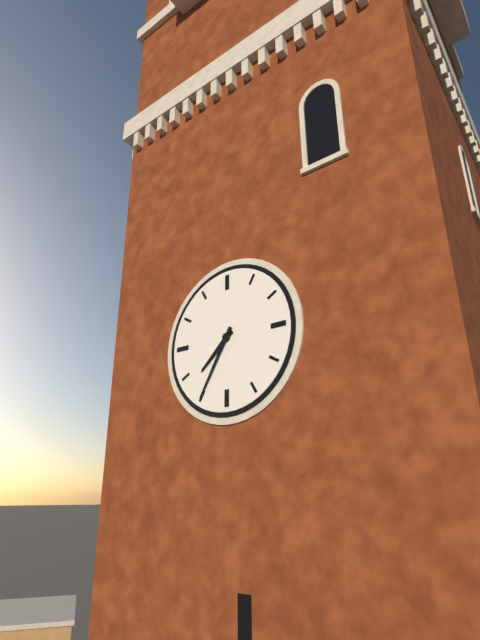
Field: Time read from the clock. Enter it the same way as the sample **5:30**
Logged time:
**7:35**
